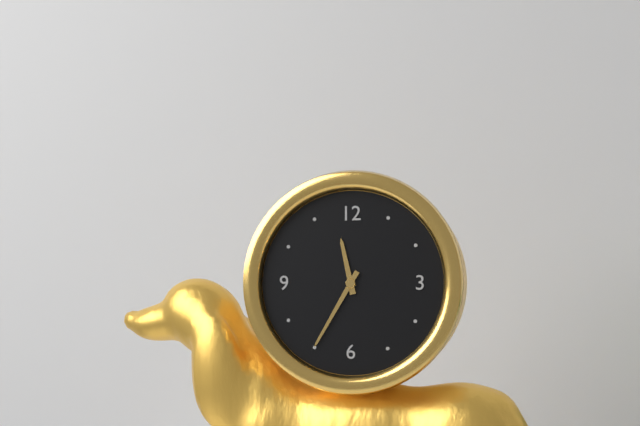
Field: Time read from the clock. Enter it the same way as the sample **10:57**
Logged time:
**11:35**
